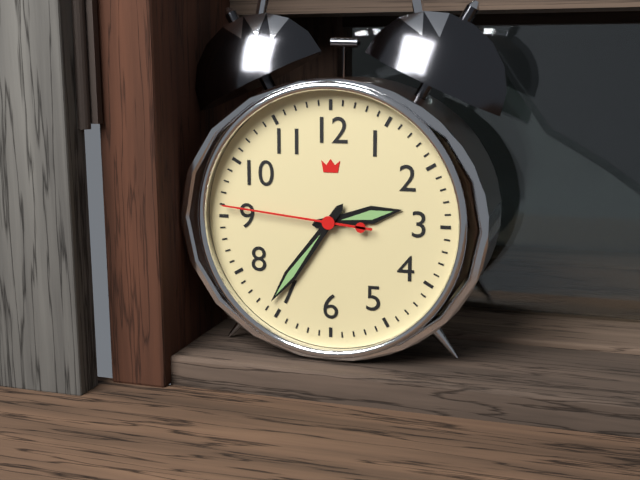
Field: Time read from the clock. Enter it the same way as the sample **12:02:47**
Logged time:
**2:36:46**
